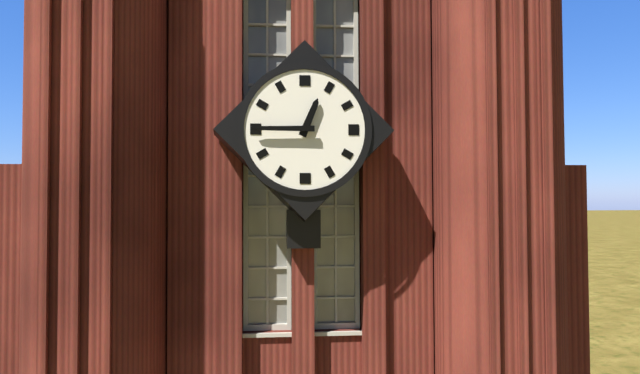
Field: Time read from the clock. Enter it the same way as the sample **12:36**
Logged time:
**12:45**
